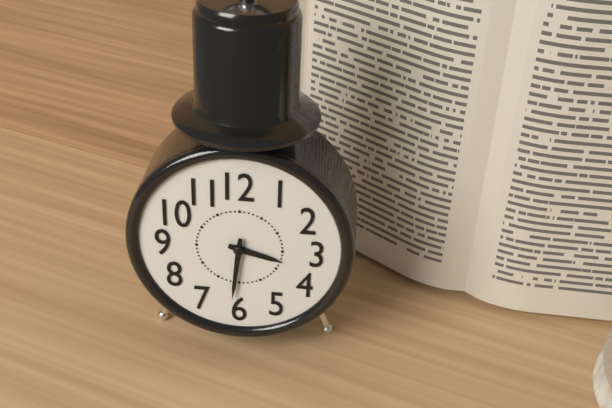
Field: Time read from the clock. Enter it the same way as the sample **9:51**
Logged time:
**3:31**
